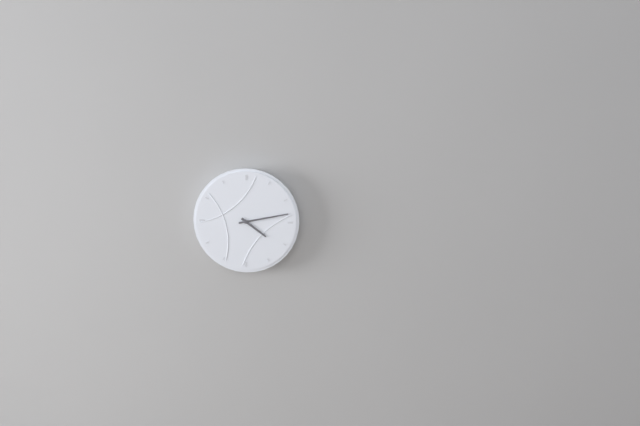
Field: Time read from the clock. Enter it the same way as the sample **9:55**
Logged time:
**4:13**
